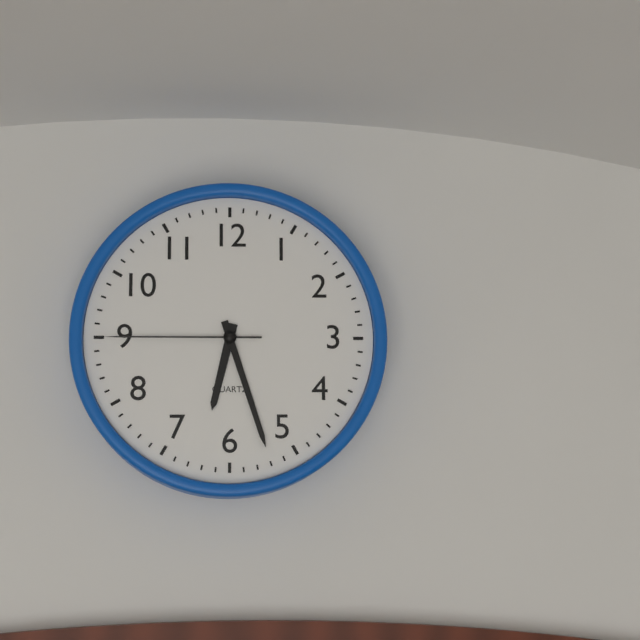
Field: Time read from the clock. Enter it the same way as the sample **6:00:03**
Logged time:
**6:27:45**
